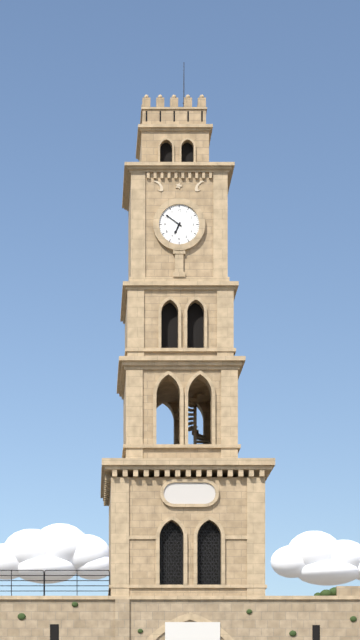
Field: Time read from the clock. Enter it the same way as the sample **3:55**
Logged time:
**6:51**
